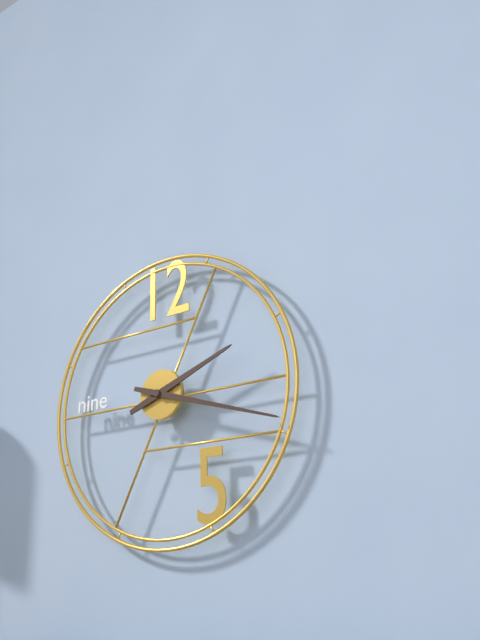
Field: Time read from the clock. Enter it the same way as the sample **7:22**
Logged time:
**2:18**
